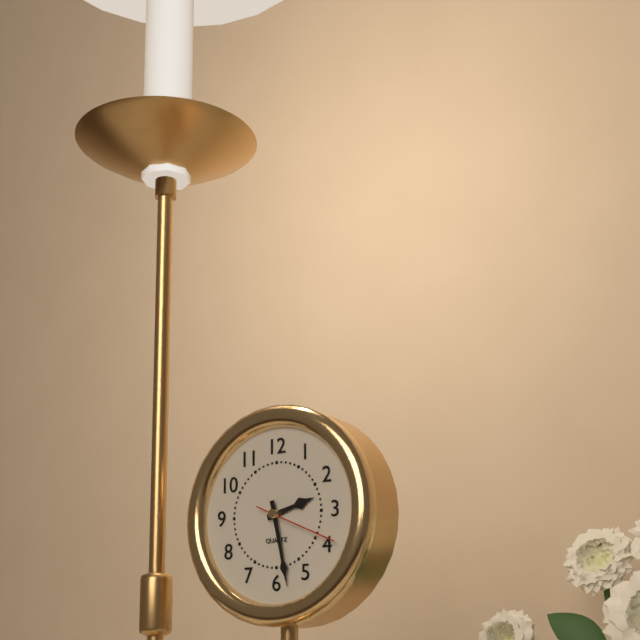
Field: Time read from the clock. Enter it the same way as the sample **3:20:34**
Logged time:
**2:28:19**
